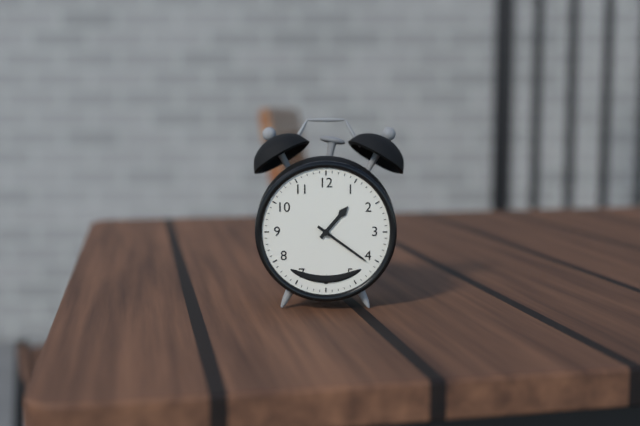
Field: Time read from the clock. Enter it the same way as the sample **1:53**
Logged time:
**1:21**
